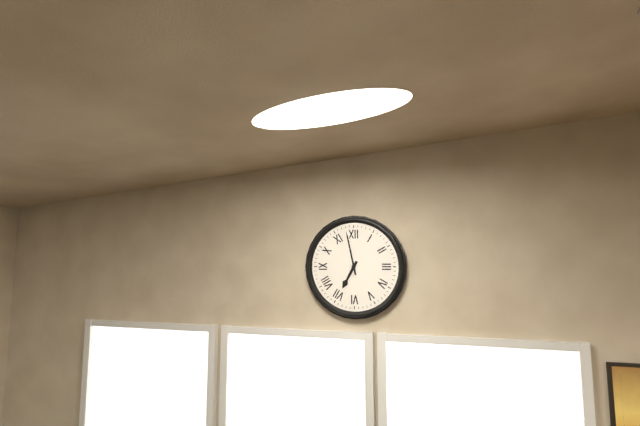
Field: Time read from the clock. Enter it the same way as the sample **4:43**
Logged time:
**6:58**
